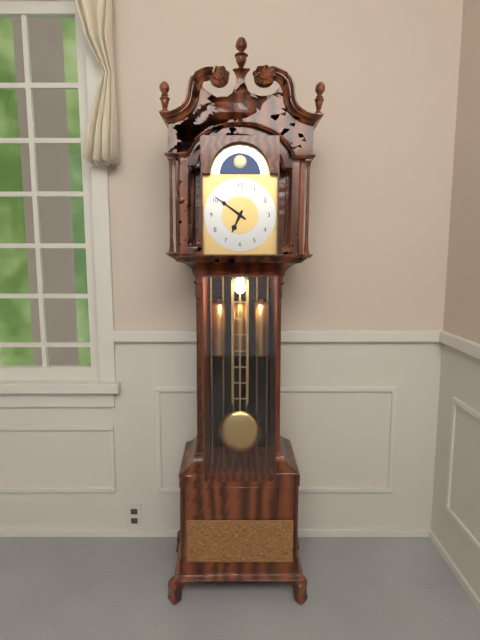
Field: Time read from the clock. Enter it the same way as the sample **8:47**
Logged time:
**6:51**
